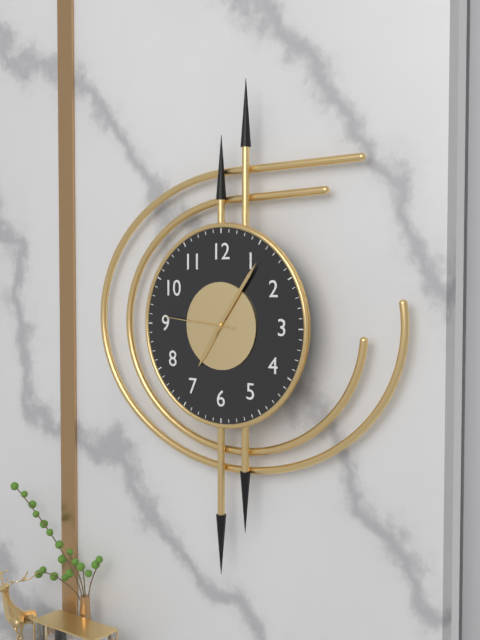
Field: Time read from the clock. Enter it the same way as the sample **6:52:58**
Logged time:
**7:06:46**
